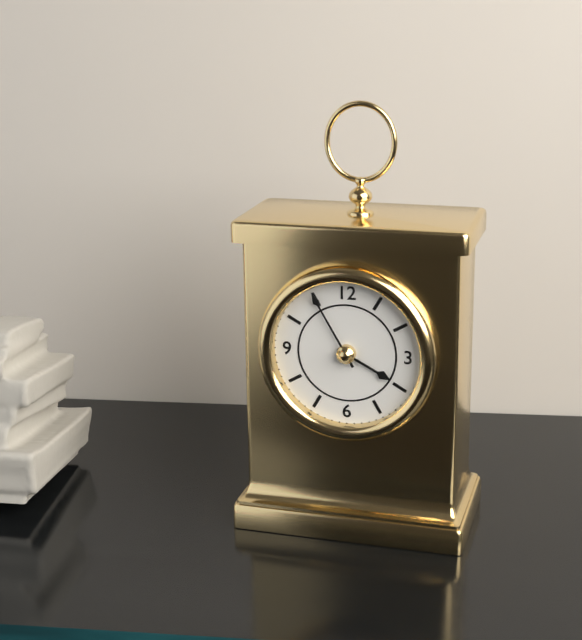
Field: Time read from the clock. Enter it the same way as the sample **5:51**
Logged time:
**3:55**
